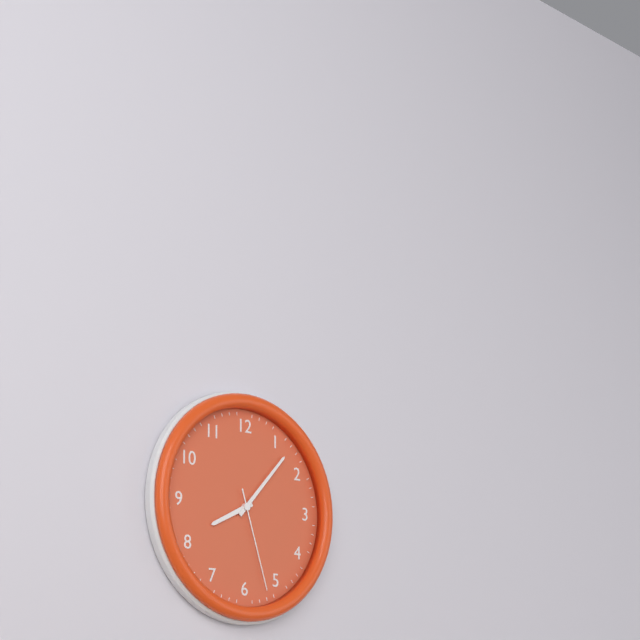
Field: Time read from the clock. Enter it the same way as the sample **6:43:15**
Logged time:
**8:07:27**
